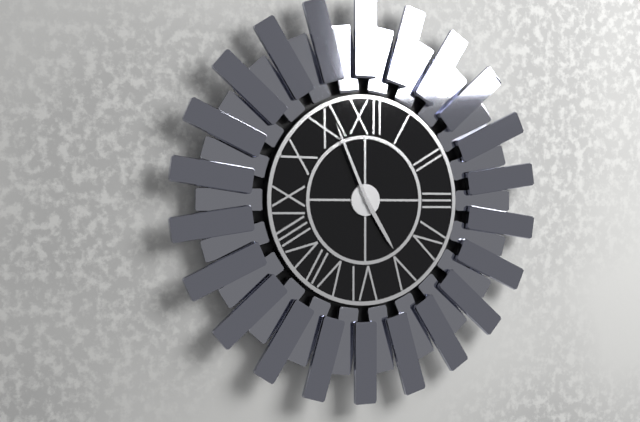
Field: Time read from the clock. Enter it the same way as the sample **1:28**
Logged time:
**4:56**
